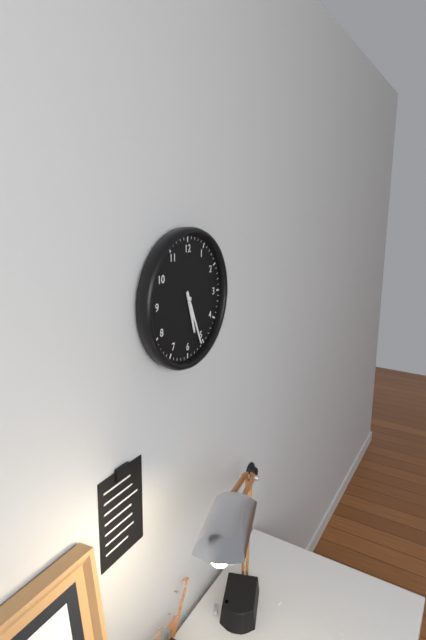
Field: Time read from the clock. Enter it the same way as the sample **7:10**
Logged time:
**5:26**
